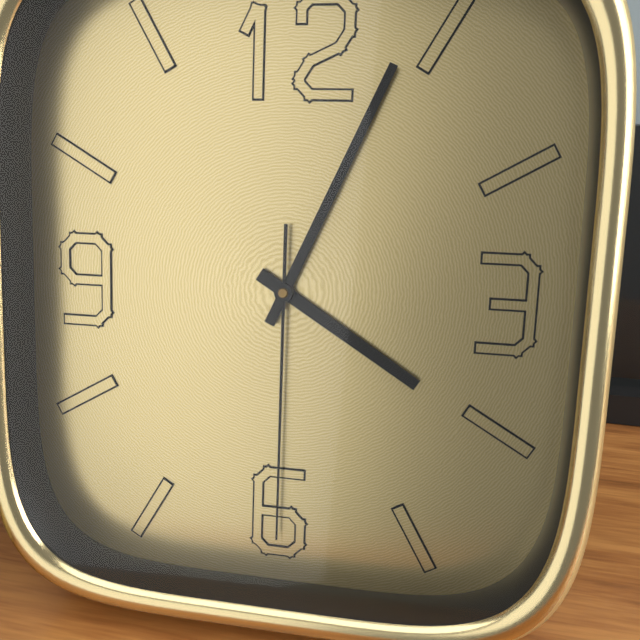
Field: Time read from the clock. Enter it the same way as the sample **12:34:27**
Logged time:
**4:04:30**
